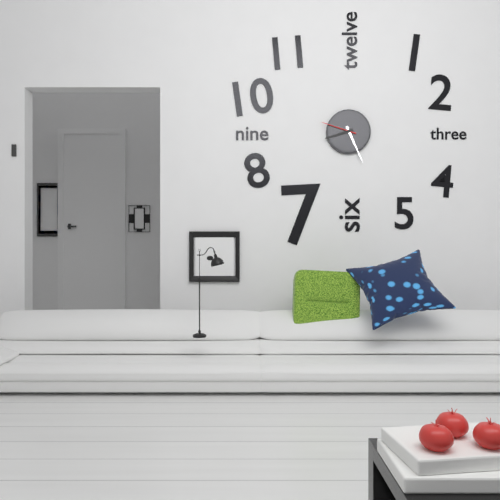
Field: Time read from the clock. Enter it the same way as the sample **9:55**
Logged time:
**8:26**
